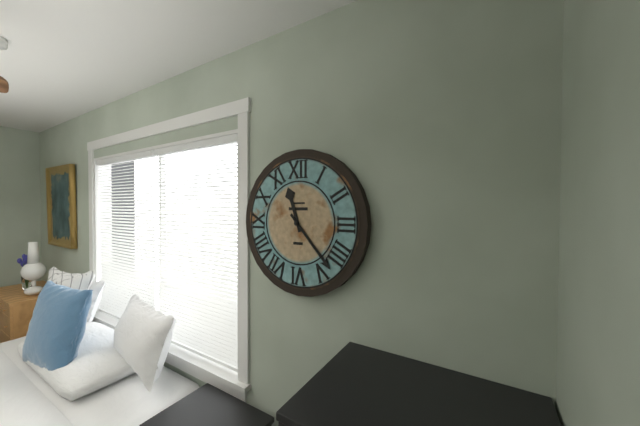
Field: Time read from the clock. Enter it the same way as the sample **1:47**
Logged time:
**11:23**
